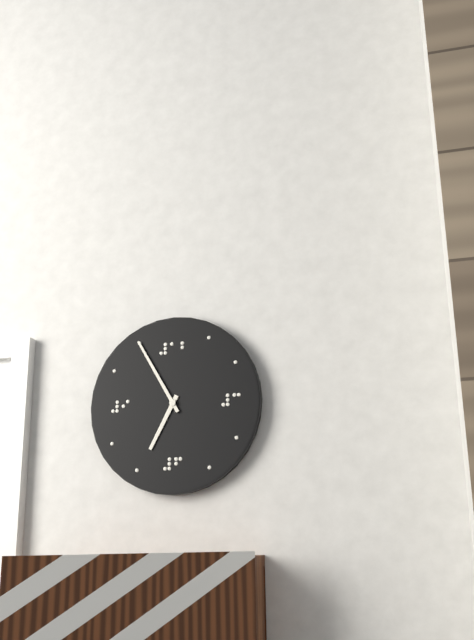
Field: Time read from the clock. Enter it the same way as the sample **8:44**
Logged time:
**6:55**
